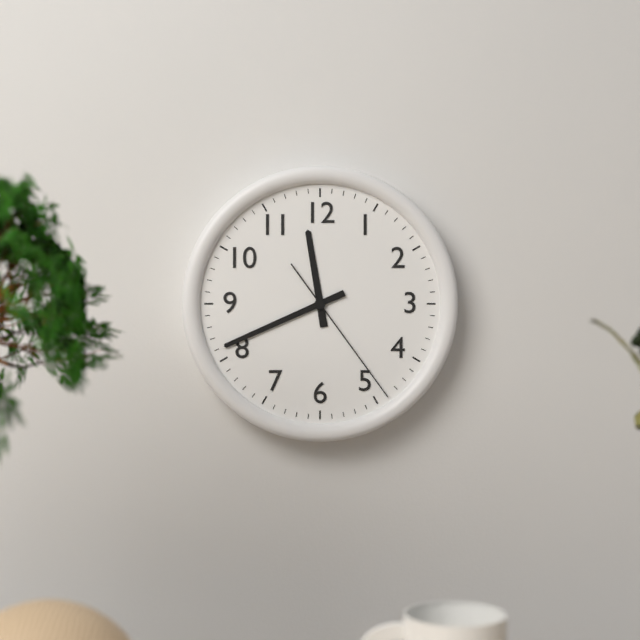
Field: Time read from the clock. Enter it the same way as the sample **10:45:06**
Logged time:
**11:41:24**
